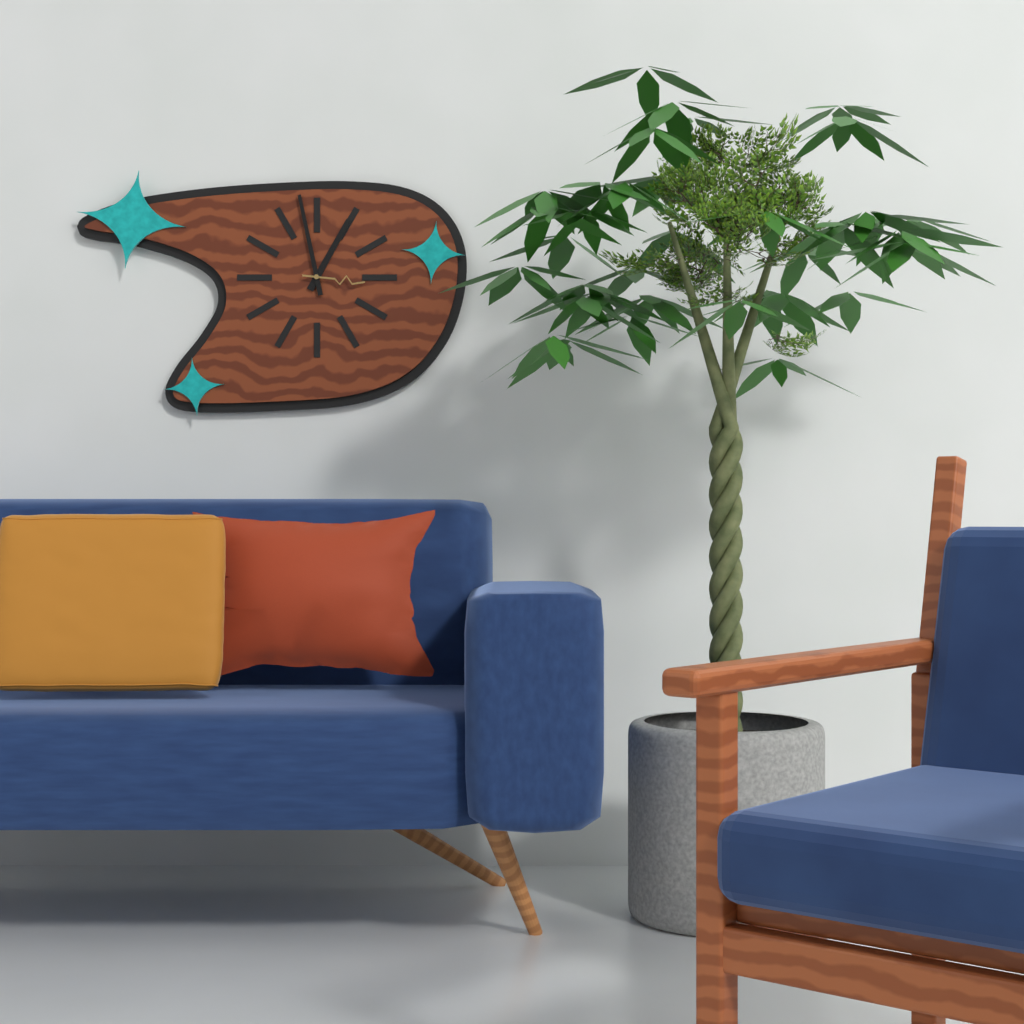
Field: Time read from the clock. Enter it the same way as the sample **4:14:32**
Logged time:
**12:58:16**
